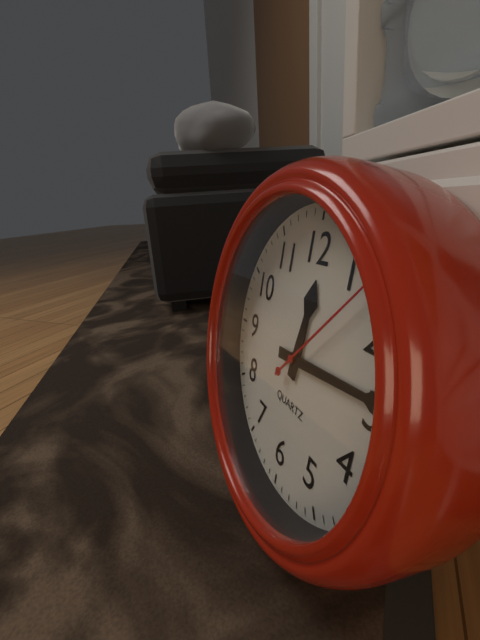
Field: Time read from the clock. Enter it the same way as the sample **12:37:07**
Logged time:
**12:14:07**
